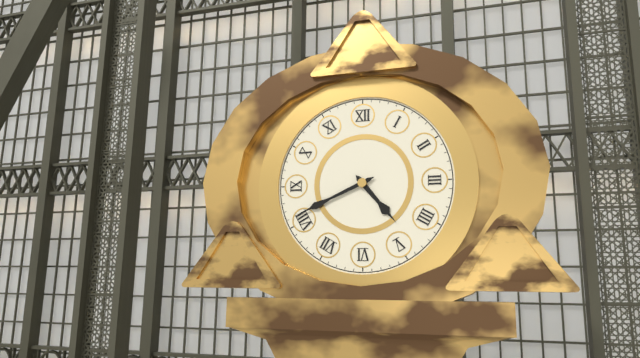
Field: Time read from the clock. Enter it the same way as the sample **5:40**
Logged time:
**4:41**
